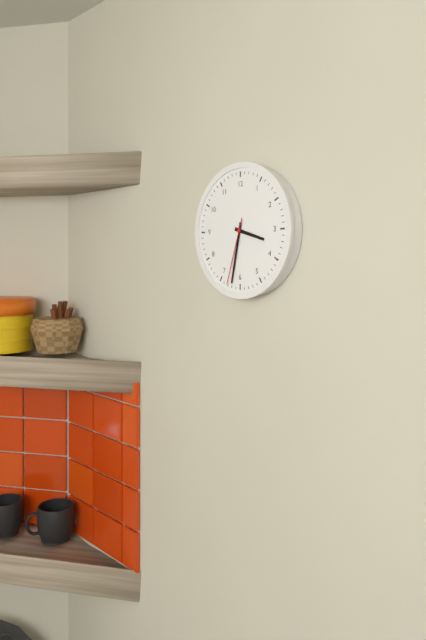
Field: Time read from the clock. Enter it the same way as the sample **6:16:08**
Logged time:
**3:32:33**
